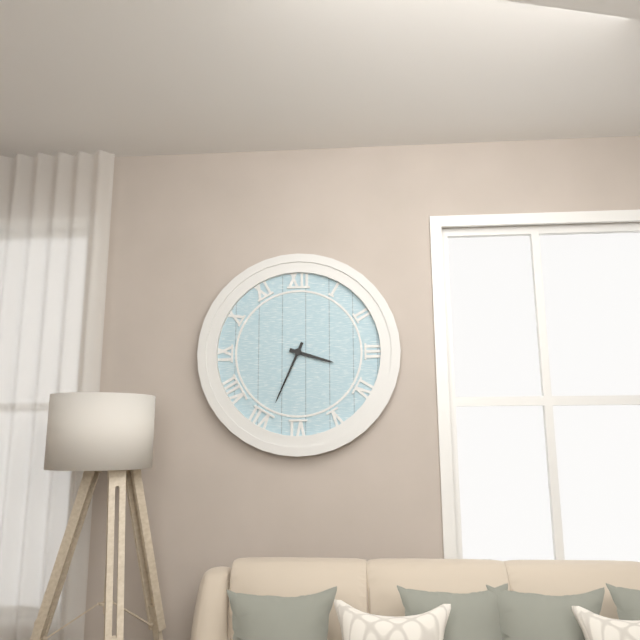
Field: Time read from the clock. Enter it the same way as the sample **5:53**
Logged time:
**3:34**
